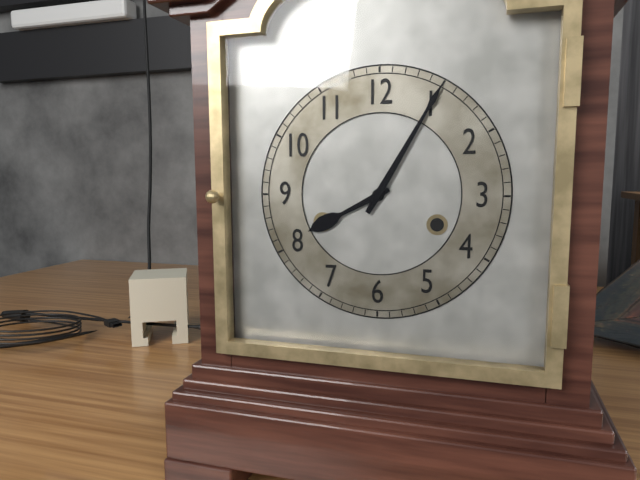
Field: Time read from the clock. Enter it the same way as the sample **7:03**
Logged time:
**8:05**
